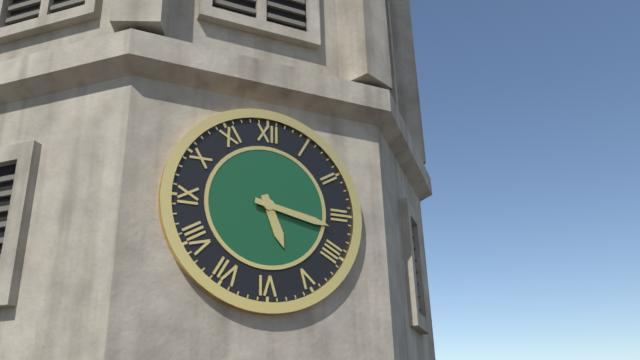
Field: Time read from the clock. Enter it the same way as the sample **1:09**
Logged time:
**5:17**
